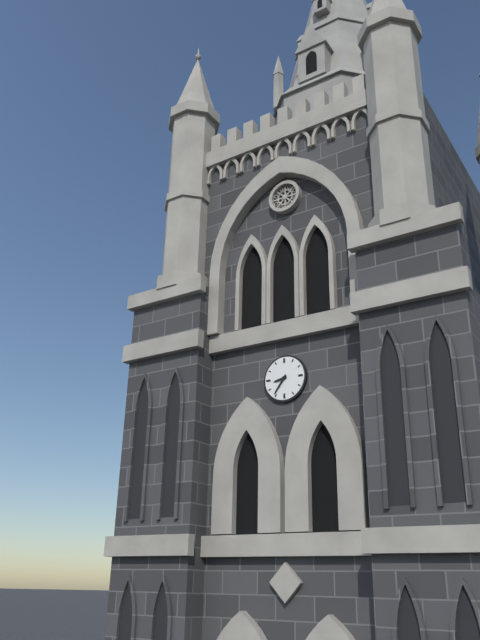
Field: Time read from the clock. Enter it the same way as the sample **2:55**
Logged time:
**8:36**
